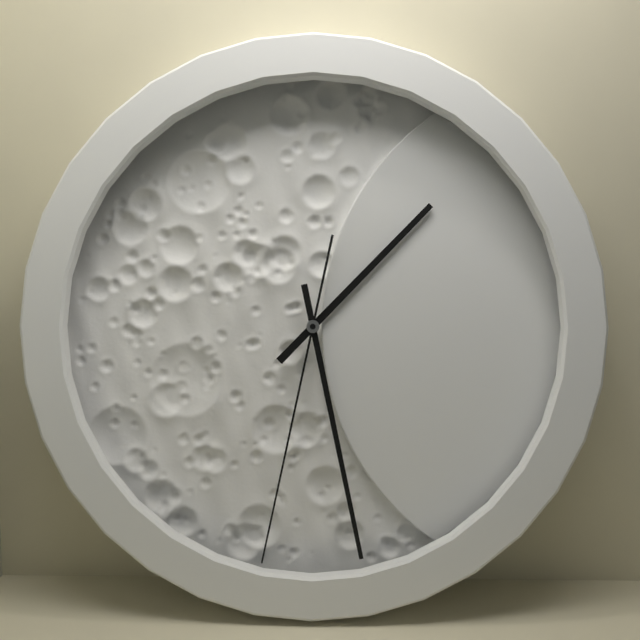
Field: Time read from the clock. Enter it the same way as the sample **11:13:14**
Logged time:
**1:28:32**
